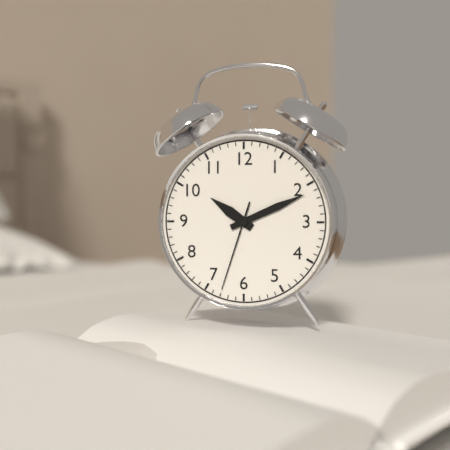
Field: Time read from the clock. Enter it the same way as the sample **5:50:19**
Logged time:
**10:11:33**
